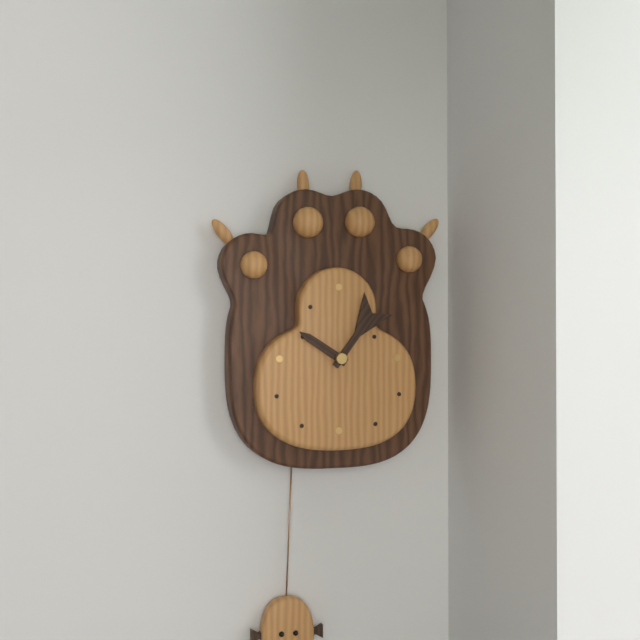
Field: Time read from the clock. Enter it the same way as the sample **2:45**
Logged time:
**10:06**
